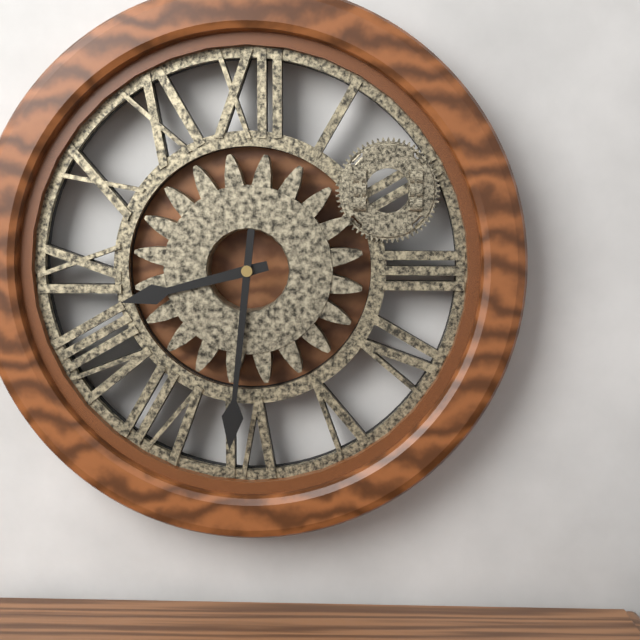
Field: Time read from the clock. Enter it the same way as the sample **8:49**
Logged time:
**8:31**
